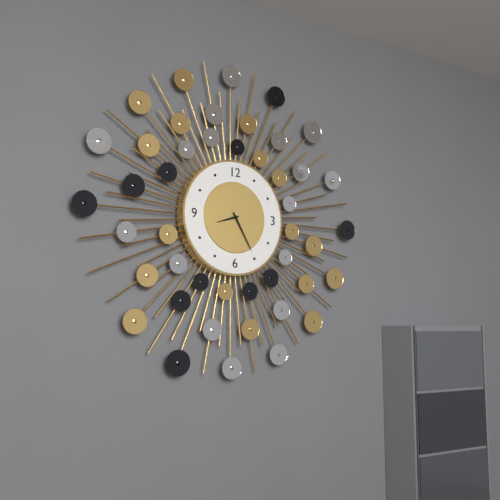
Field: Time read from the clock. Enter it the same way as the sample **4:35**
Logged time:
**8:25**
